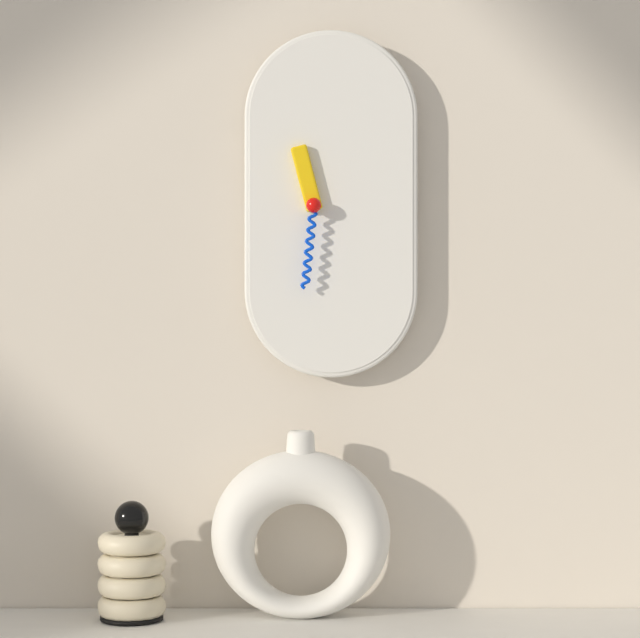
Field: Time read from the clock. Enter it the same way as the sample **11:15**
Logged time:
**11:31**
